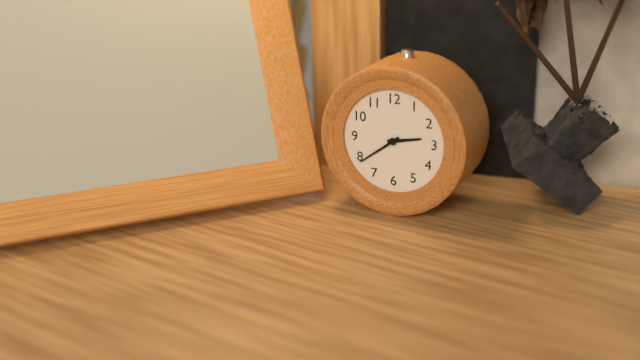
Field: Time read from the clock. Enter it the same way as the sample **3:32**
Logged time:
**2:39**
